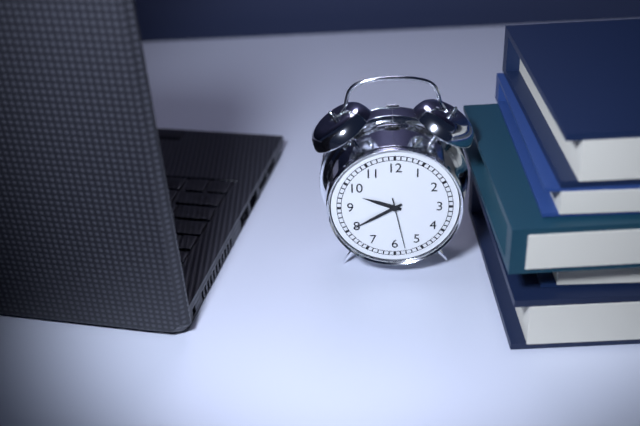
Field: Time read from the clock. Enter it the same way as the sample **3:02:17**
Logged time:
**9:40:28**
